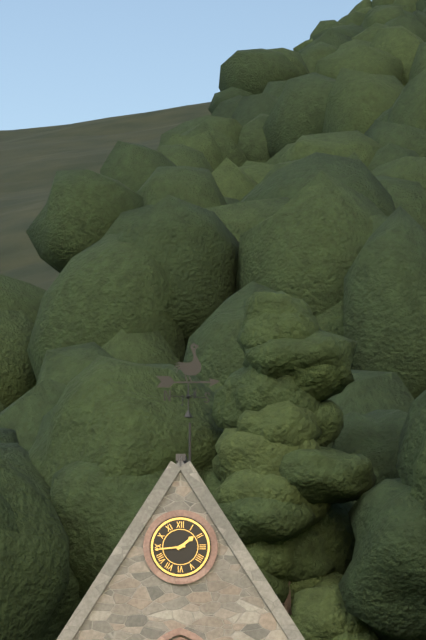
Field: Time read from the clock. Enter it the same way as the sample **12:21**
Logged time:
**1:44**
